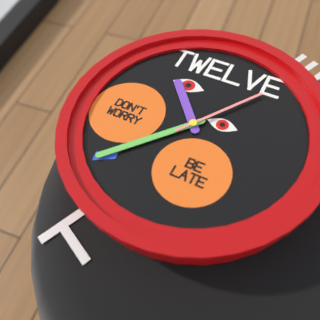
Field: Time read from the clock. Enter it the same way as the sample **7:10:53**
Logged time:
**10:37:06**
